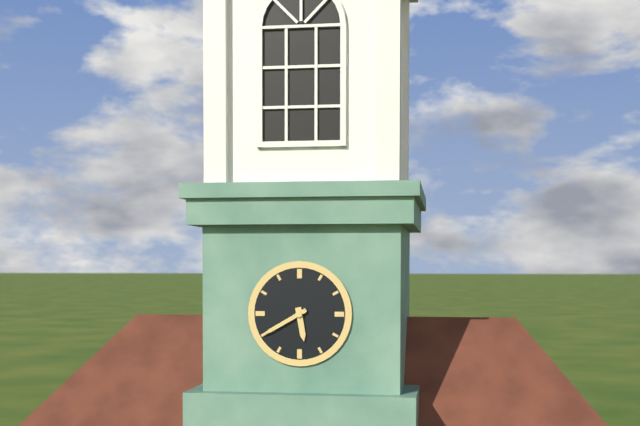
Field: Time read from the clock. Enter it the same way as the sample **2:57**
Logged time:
**5:40**
